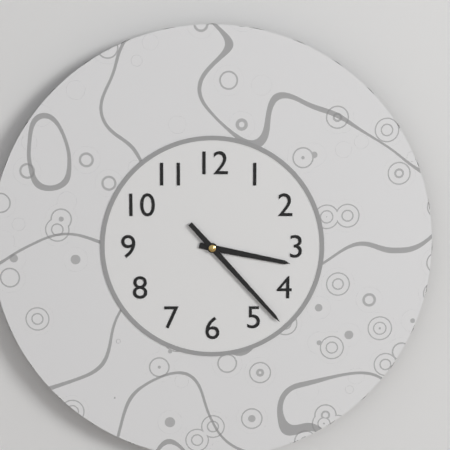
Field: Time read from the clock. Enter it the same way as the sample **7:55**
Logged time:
**3:23**
